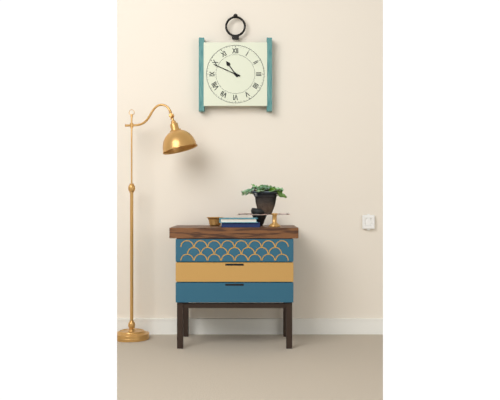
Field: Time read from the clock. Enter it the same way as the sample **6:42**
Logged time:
**10:49**
